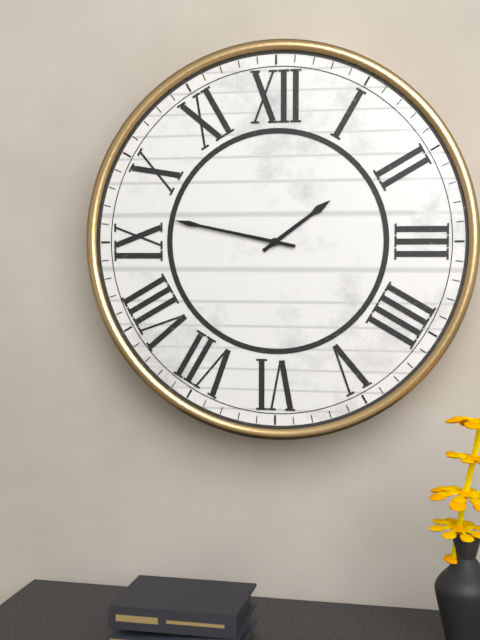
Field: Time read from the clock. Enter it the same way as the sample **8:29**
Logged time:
**1:47**
